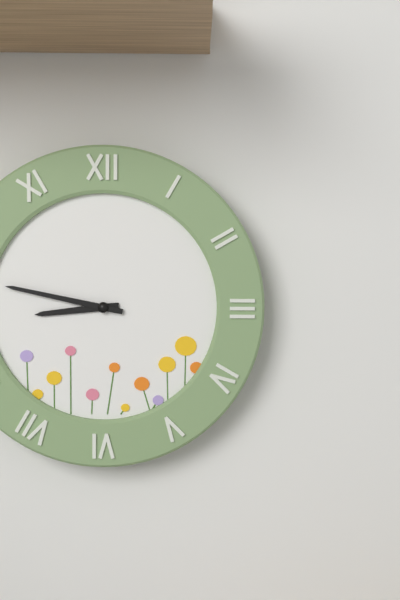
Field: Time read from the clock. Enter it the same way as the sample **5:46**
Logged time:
**8:47**
